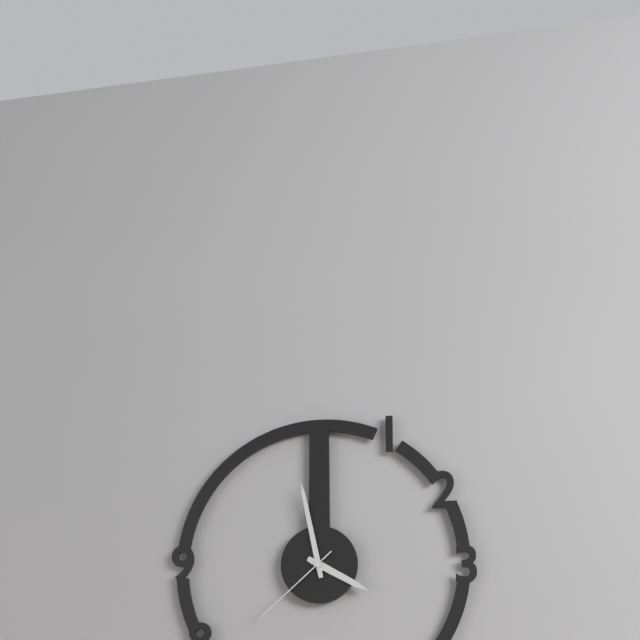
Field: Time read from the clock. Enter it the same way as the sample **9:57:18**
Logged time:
**3:58:38**
